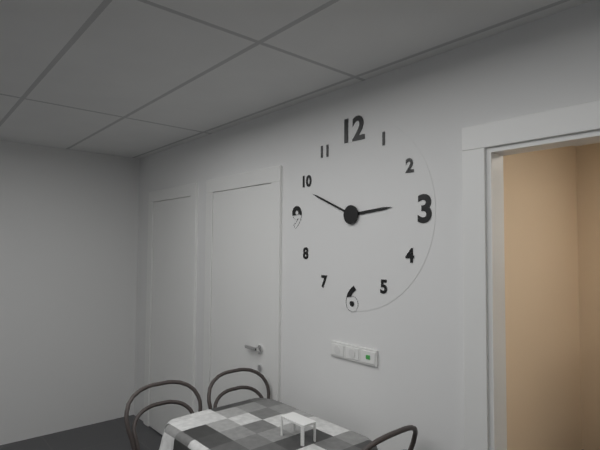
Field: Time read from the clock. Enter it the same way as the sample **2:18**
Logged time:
**2:49**
